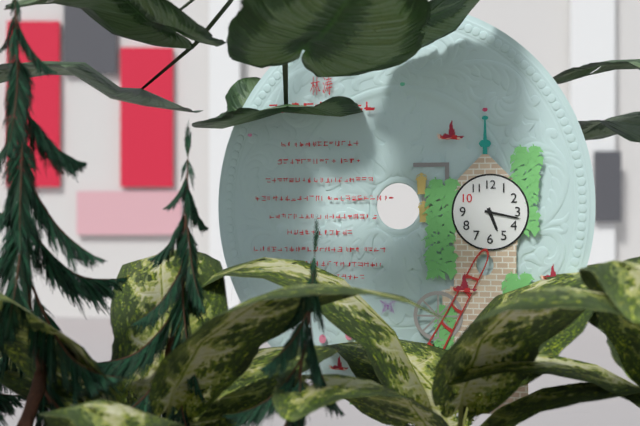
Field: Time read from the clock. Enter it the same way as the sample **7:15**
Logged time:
**5:17**
